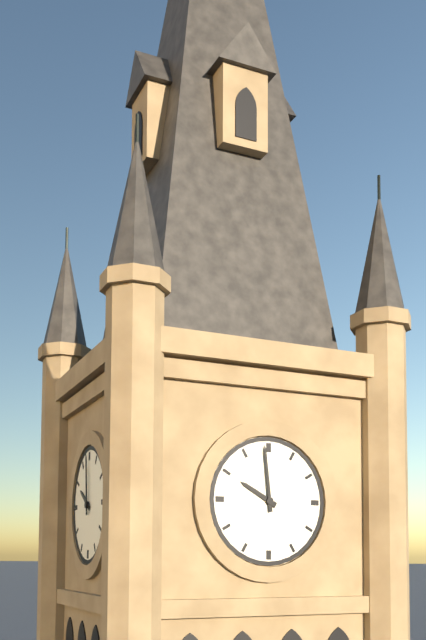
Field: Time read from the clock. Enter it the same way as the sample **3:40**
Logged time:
**9:59**
